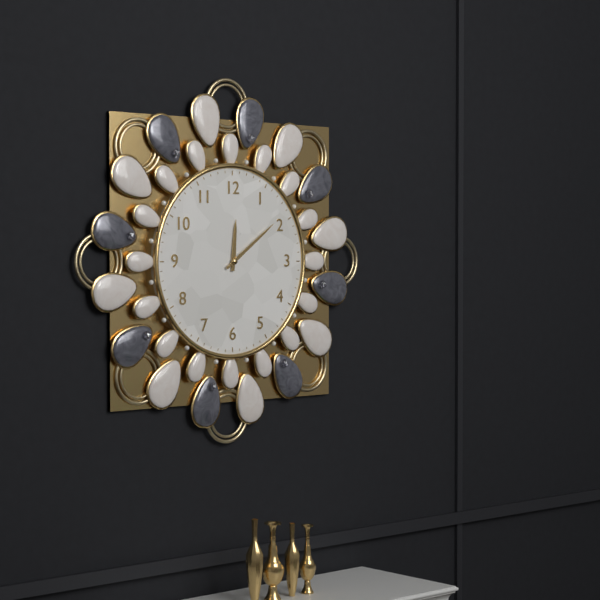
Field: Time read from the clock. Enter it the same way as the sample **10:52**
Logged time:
**12:09**
